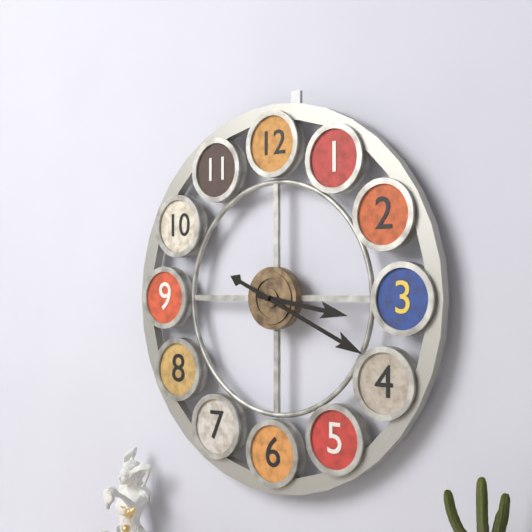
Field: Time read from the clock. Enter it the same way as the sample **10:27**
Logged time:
**3:19**
